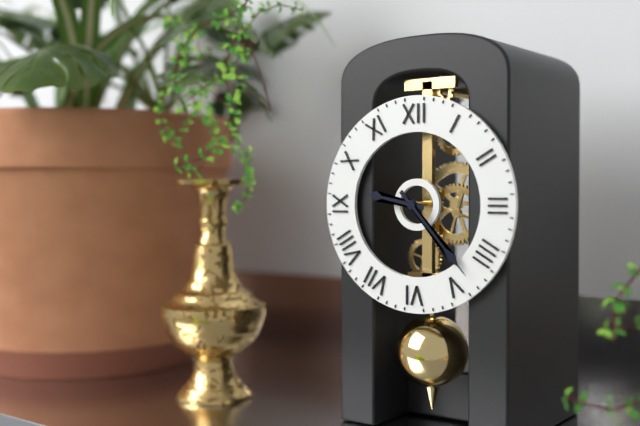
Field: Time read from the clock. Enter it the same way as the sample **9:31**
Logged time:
**9:23**
